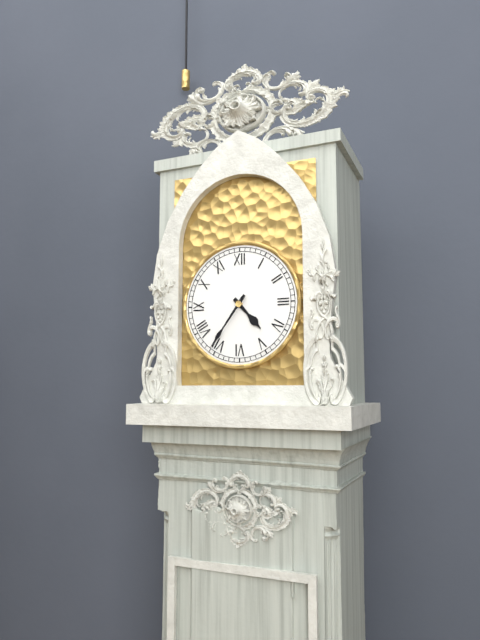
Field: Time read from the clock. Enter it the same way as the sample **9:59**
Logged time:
**4:36**
